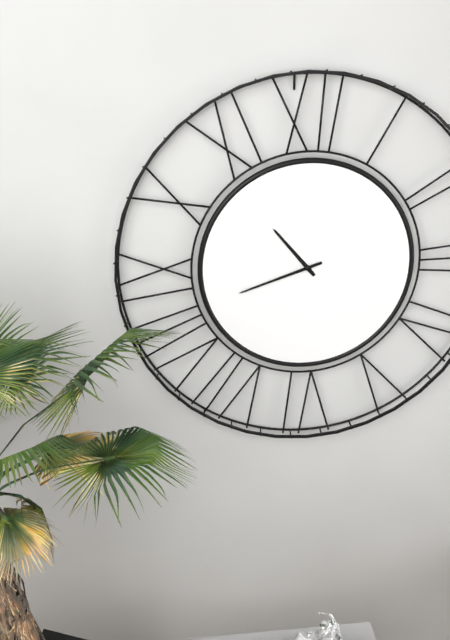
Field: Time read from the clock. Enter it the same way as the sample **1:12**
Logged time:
**10:42**
